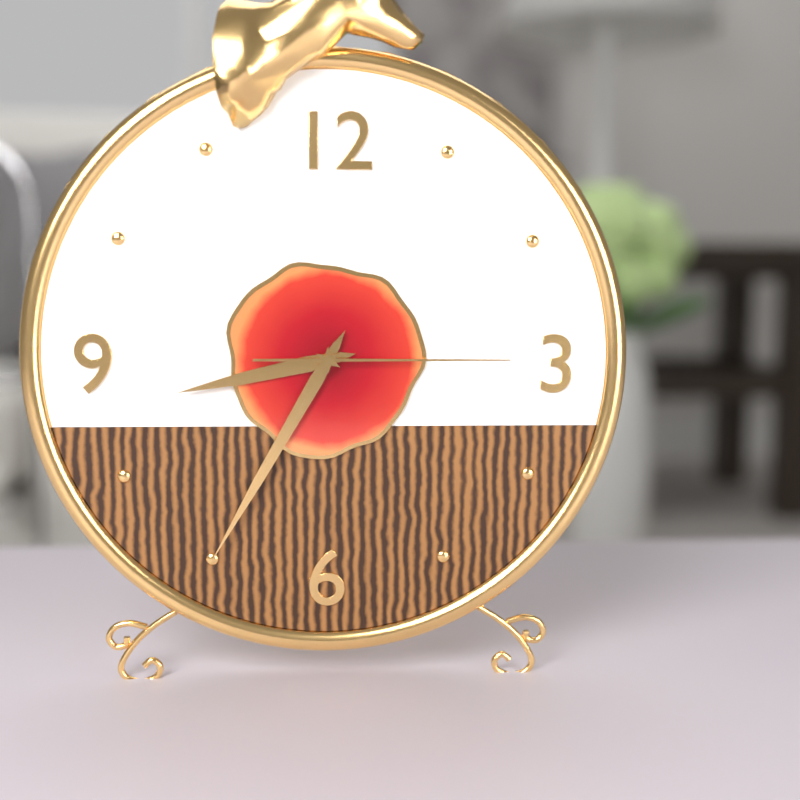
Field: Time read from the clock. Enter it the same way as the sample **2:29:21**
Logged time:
**8:35:15**
